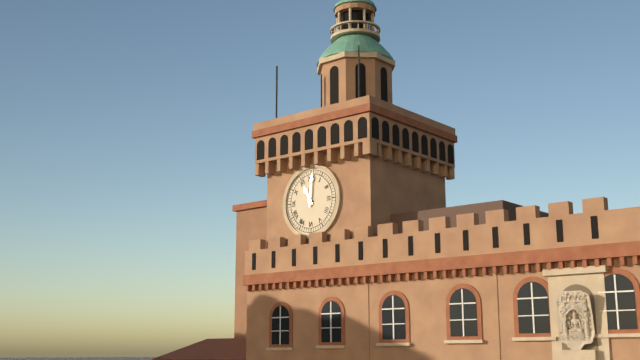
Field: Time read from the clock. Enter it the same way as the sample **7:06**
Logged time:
**11:01**
